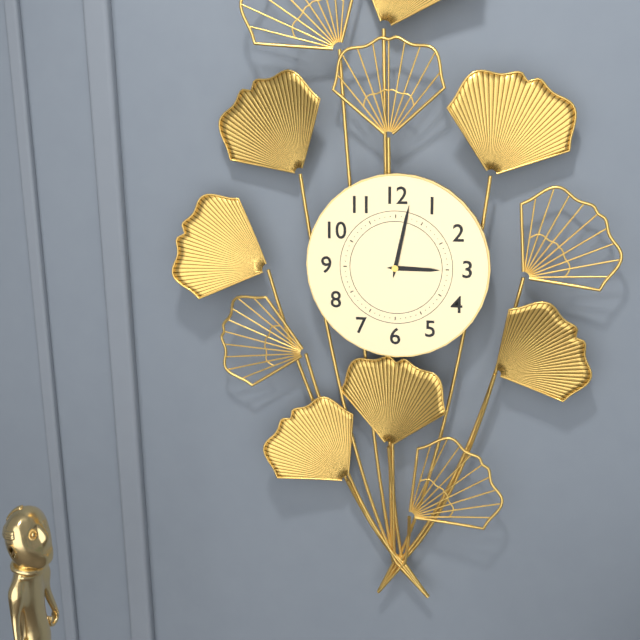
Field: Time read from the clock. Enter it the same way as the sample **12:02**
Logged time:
**3:02**
